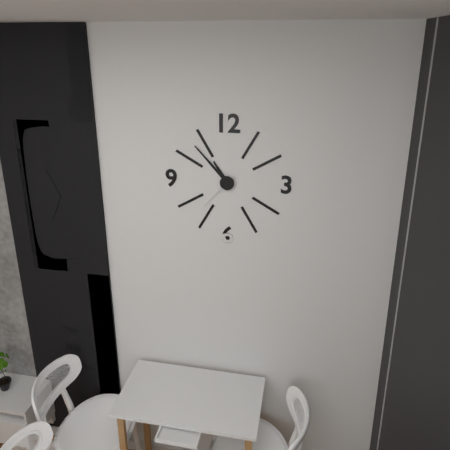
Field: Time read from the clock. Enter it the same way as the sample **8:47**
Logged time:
**10:53**
